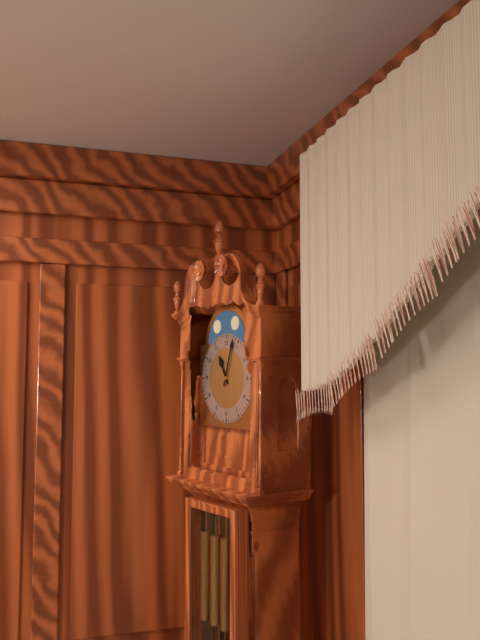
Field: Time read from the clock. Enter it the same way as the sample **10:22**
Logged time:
**11:03**
